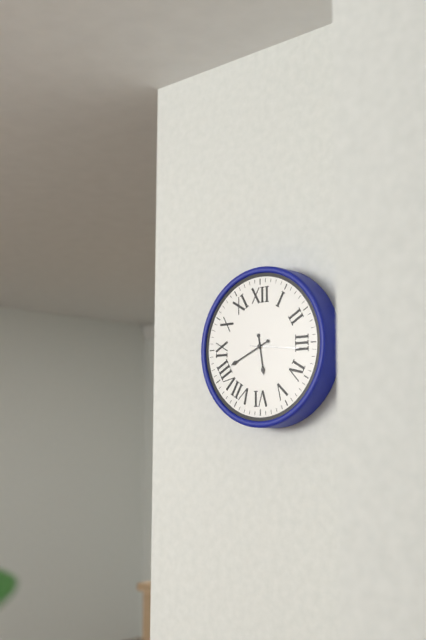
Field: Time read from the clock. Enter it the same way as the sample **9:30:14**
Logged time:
**5:41:16**
